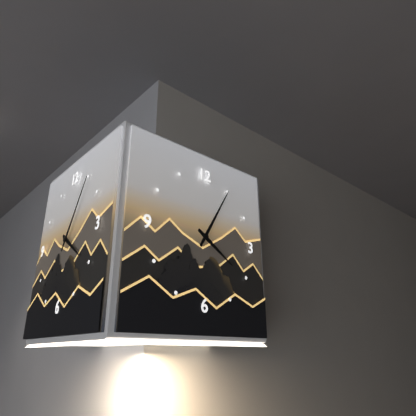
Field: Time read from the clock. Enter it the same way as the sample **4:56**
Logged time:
**4:05**
